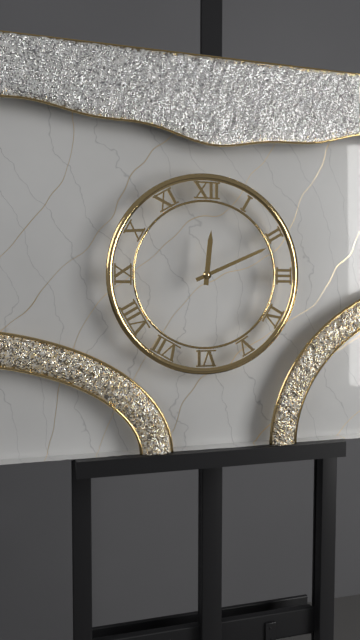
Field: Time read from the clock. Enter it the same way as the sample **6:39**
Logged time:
**12:11**
